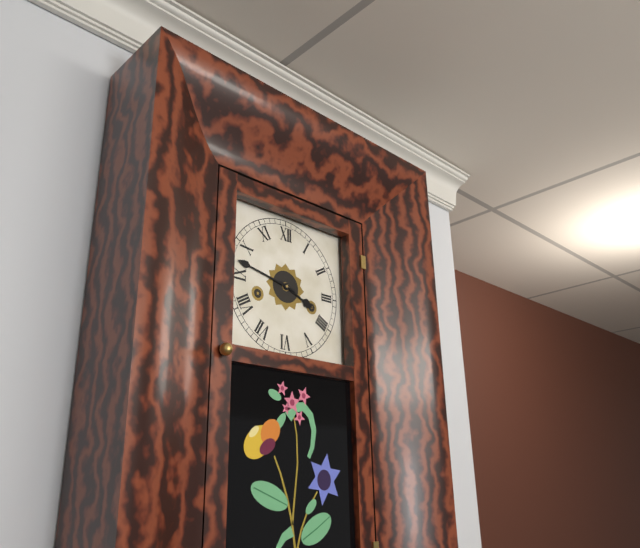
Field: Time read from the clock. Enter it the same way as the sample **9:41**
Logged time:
**3:47**
